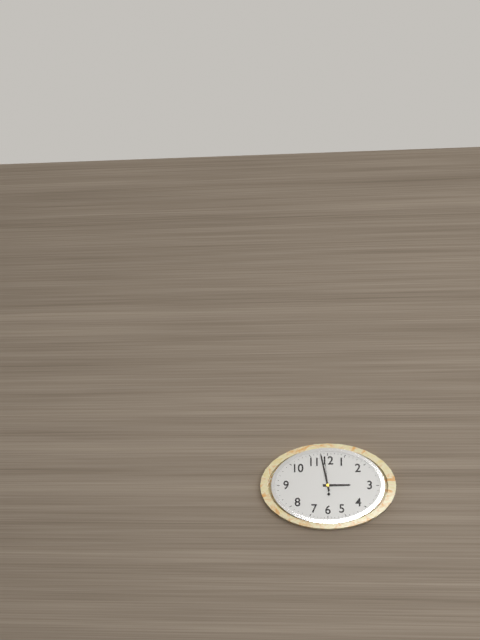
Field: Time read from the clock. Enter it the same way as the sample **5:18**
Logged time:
**2:58**
